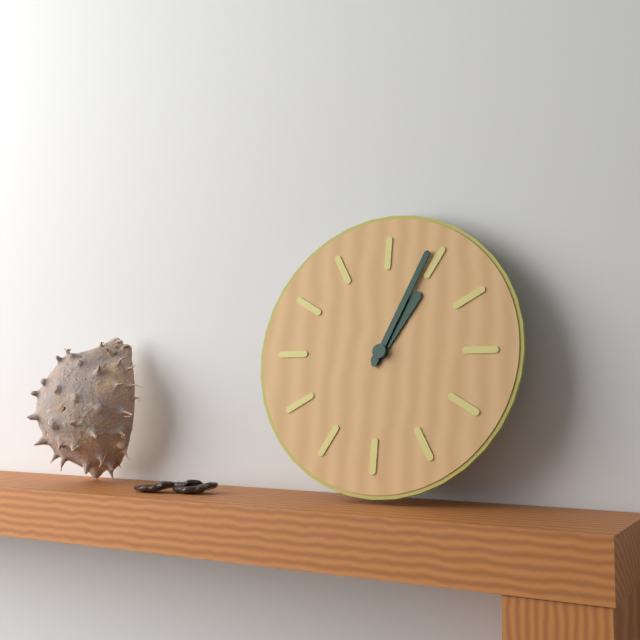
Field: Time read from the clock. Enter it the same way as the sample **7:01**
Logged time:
**1:04**
